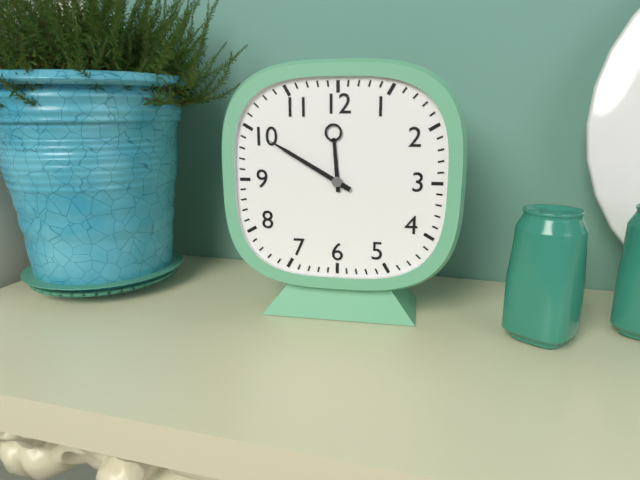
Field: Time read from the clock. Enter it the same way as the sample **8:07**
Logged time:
**11:50**
